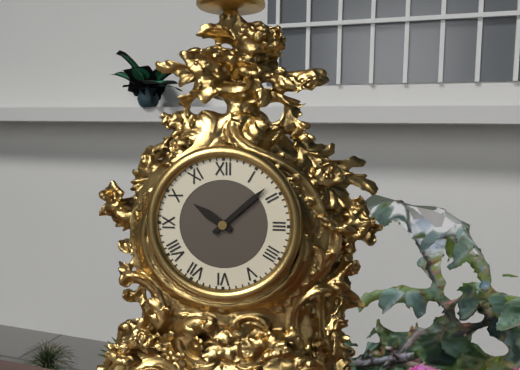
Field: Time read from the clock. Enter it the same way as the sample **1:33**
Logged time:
**10:08**
